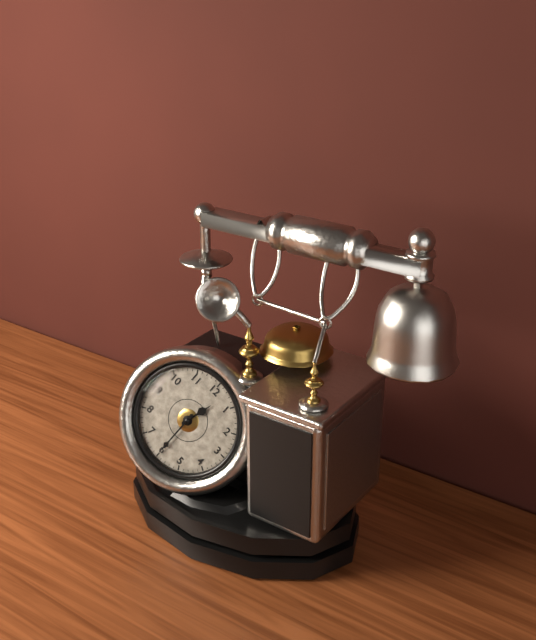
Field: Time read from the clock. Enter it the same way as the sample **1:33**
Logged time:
**12:30**
